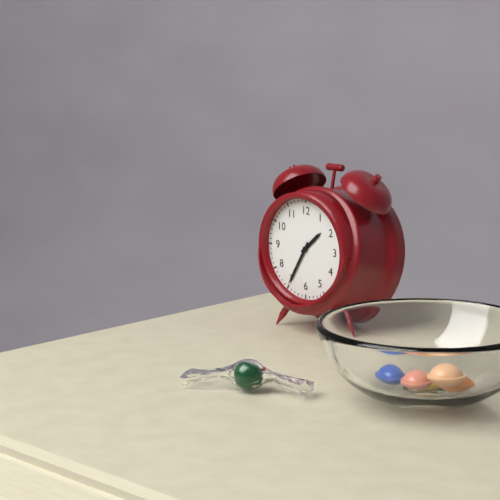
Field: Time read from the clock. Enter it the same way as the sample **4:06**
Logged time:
**1:35**
